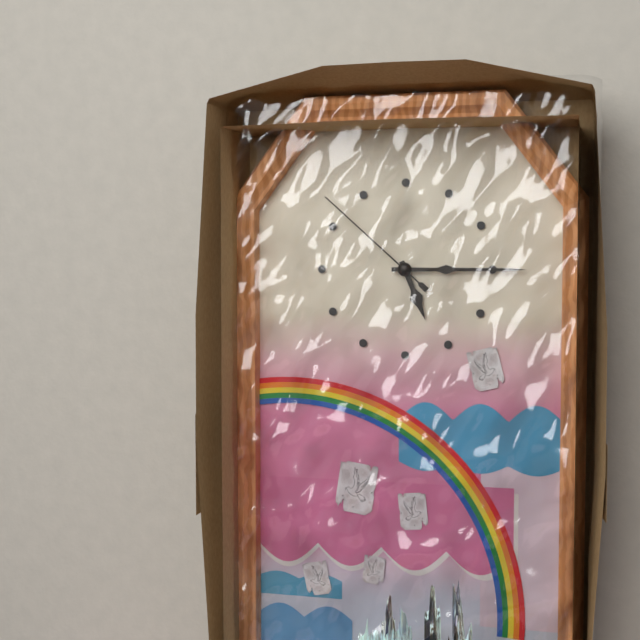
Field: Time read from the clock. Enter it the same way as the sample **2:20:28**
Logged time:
**5:15:52**
